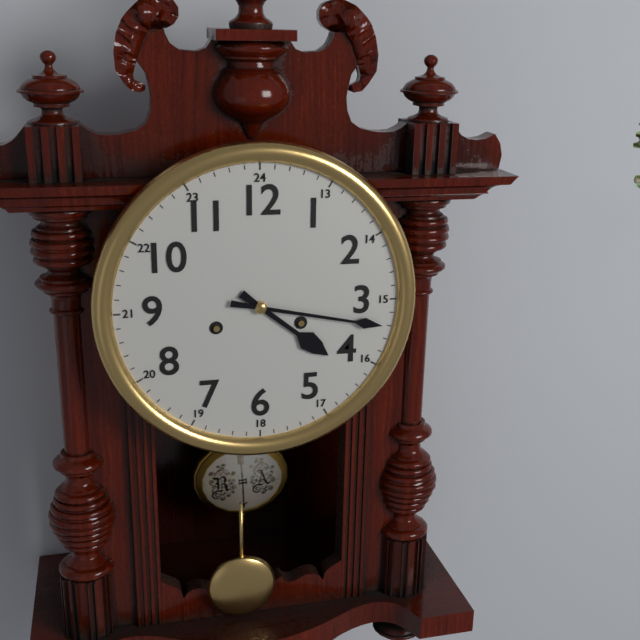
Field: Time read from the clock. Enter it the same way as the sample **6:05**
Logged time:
**4:17**
